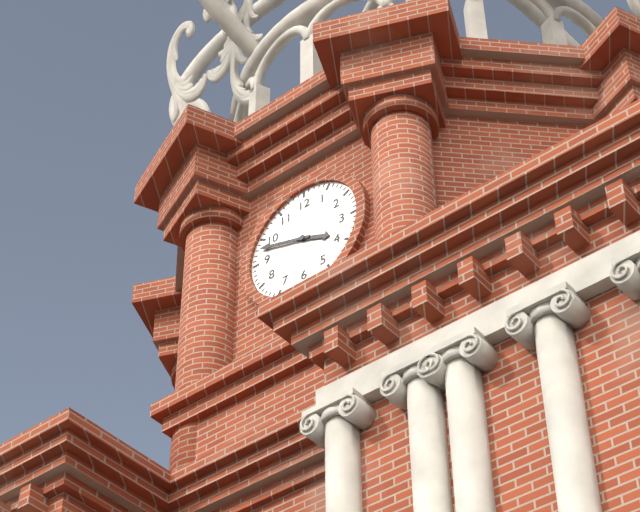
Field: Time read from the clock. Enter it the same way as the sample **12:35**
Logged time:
**3:48**
